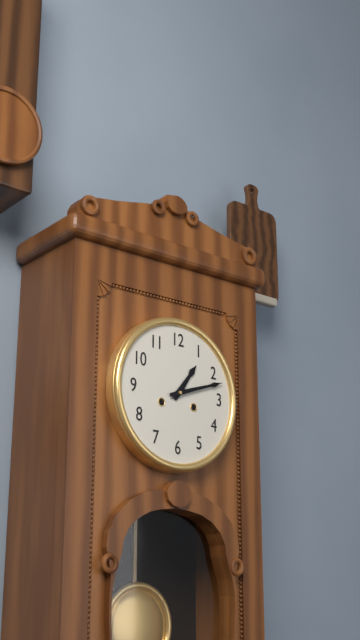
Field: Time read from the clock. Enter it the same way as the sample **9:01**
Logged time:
**1:12**
